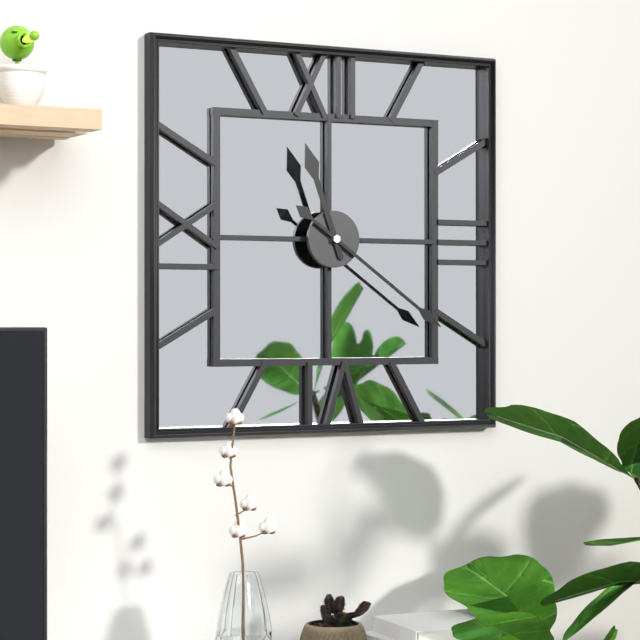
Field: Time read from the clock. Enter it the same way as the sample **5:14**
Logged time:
**11:21**
